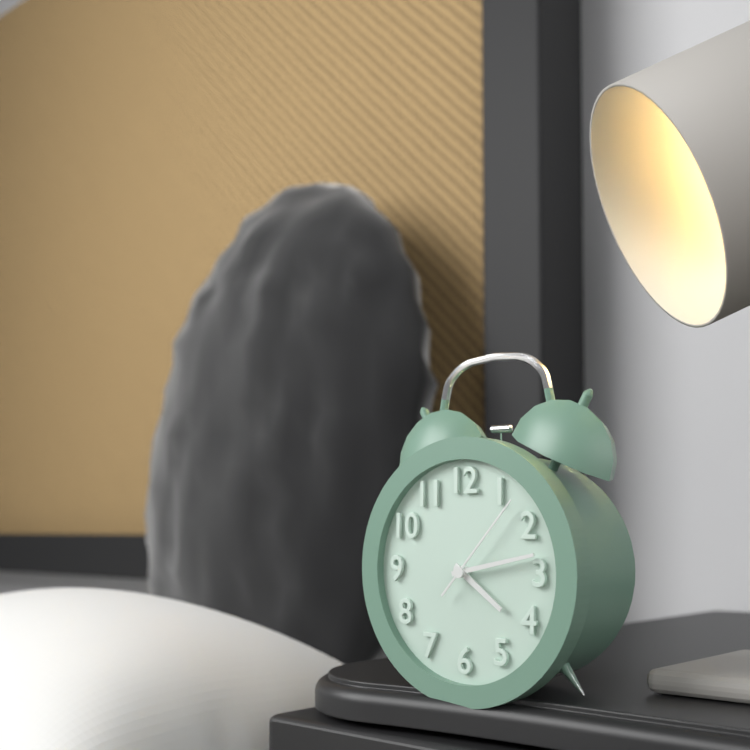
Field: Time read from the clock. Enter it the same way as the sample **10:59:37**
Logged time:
**4:13:07**
